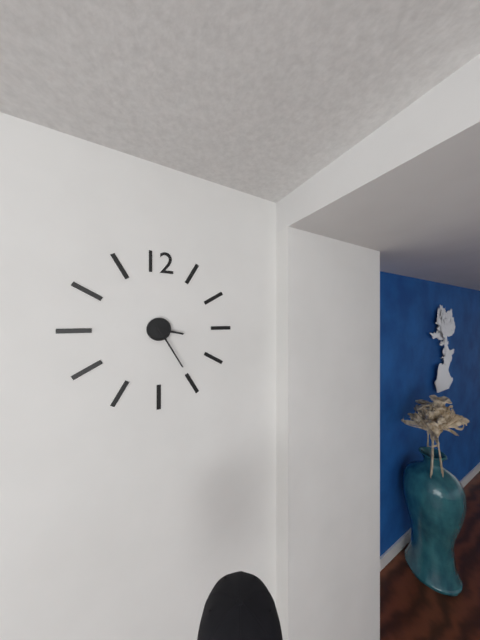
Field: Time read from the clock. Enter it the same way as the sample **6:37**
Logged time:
**3:25**
